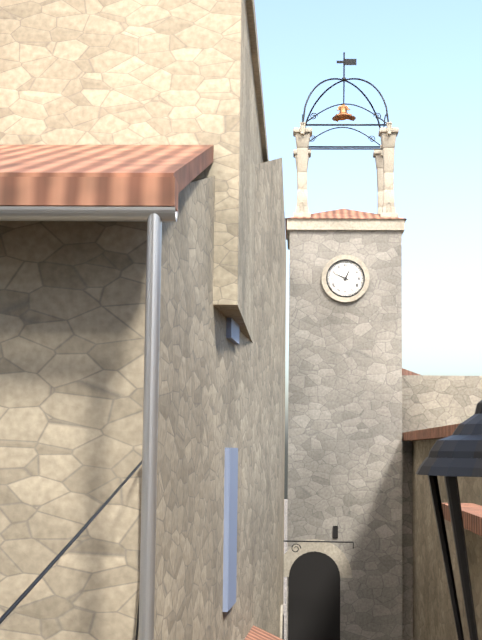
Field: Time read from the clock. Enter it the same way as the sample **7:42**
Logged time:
**12:49**
